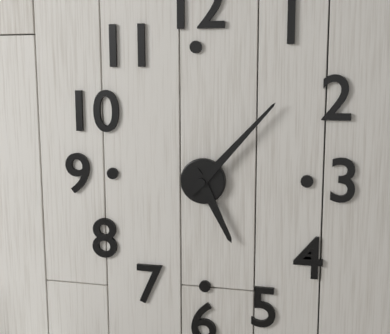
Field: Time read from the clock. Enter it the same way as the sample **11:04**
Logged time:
**5:07**
